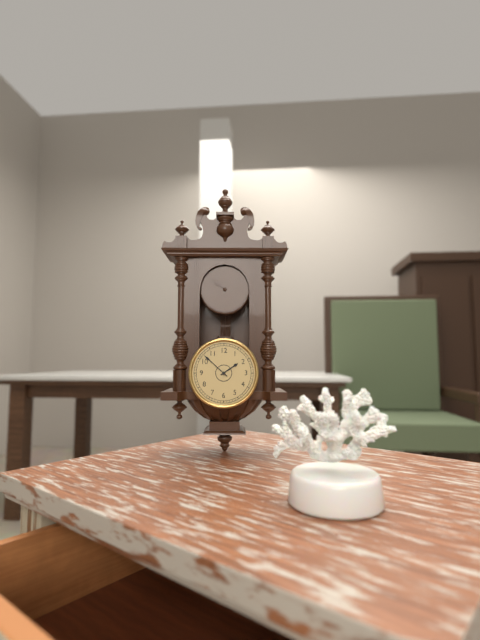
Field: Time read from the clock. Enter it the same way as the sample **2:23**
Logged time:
**1:52**
